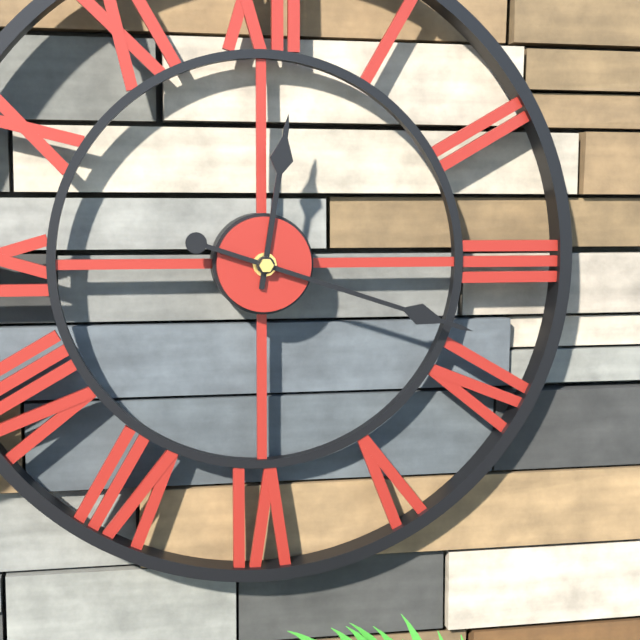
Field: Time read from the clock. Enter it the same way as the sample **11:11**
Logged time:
**12:18**
